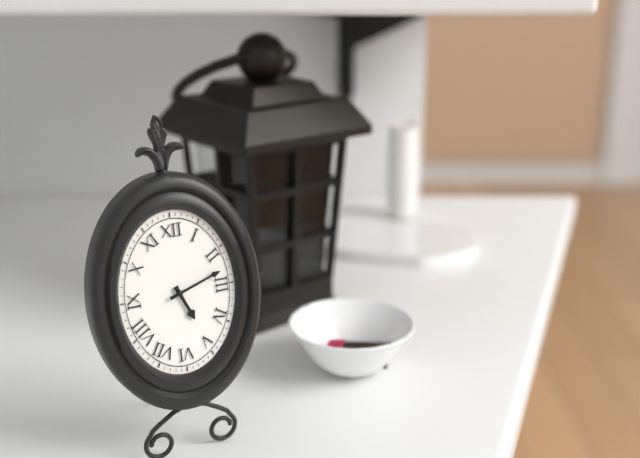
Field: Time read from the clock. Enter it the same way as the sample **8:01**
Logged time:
**5:12**
